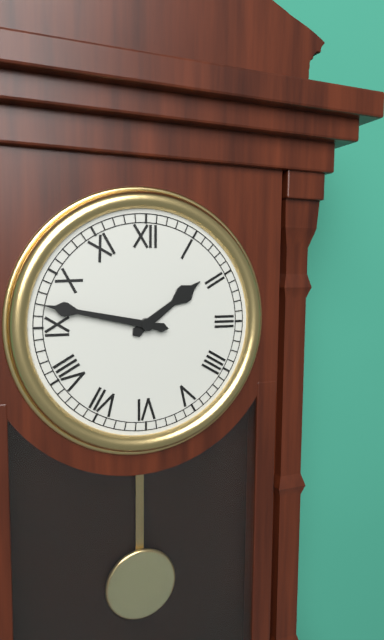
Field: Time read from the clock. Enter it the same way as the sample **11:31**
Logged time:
**1:47**
